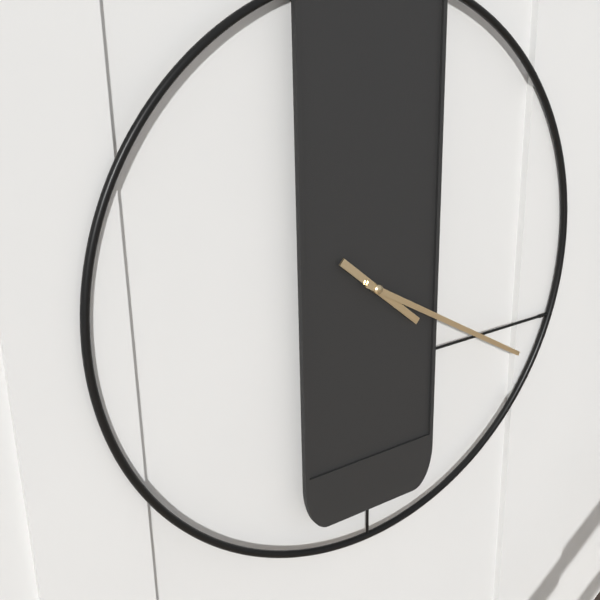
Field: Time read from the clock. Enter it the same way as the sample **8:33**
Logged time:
**4:20**
